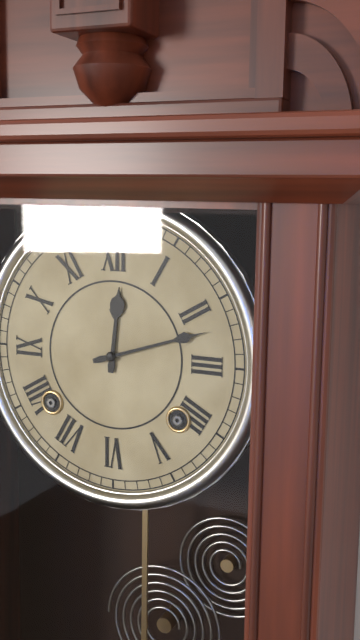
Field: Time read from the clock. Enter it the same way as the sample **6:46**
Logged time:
**12:12**
